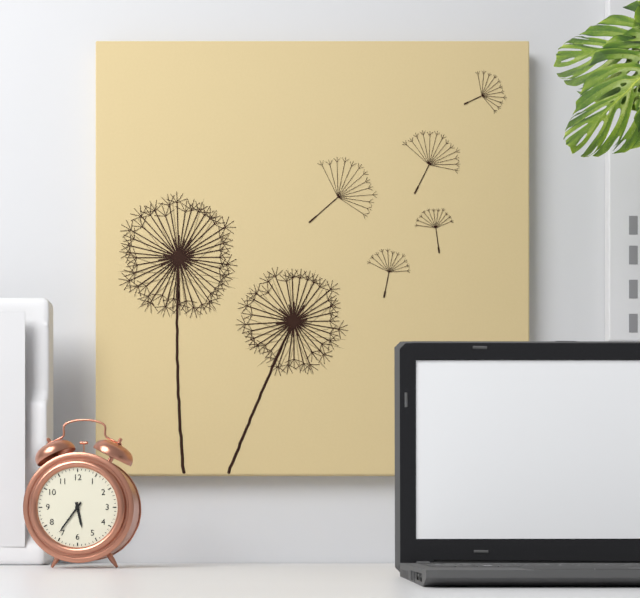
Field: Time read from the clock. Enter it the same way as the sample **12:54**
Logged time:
**5:36**
